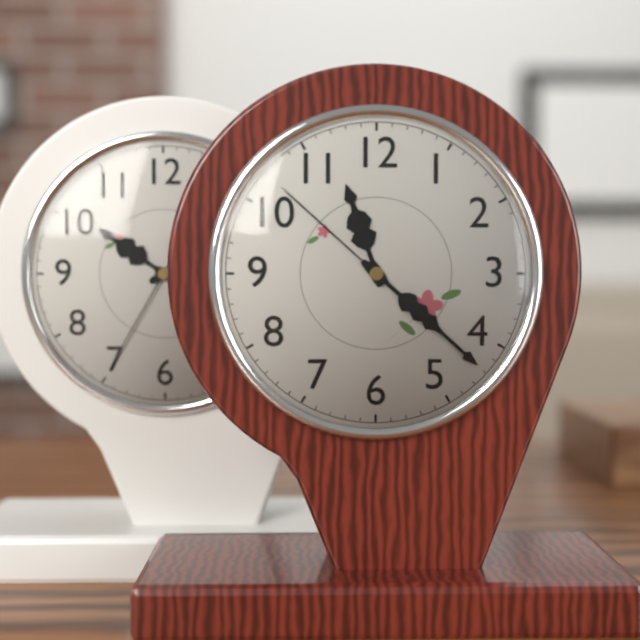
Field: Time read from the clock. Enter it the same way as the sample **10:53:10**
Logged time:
**11:22:52**
